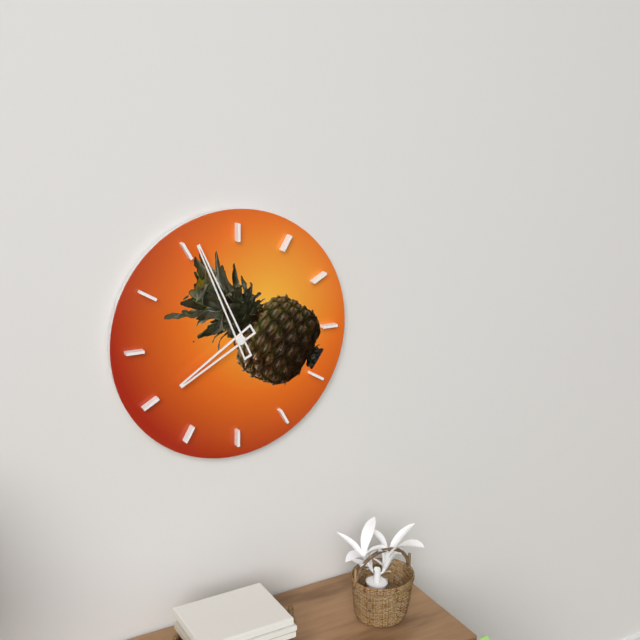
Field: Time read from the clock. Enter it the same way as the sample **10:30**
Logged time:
**7:56**
